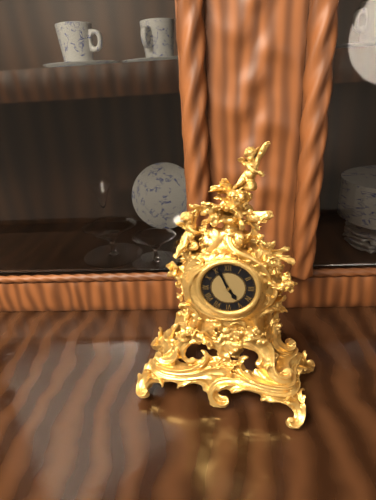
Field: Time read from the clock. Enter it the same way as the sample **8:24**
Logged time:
**4:56**
